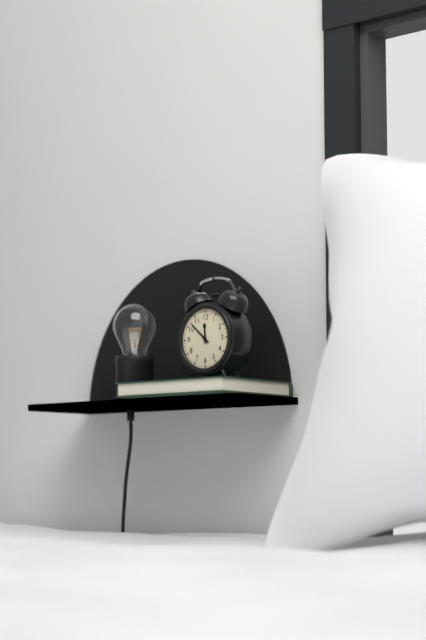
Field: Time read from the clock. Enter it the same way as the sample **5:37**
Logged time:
**11:52**
